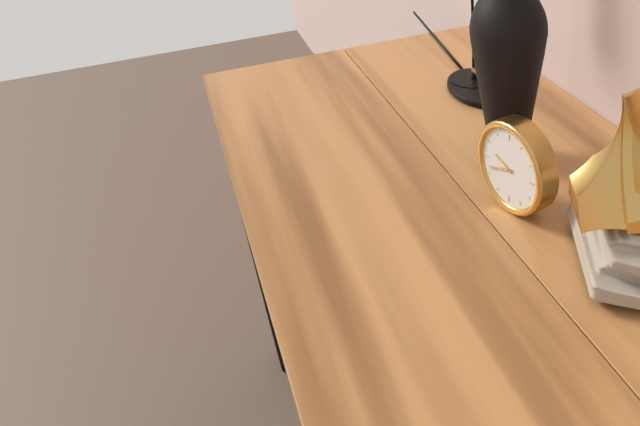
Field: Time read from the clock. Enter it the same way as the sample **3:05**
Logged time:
**9:42**
